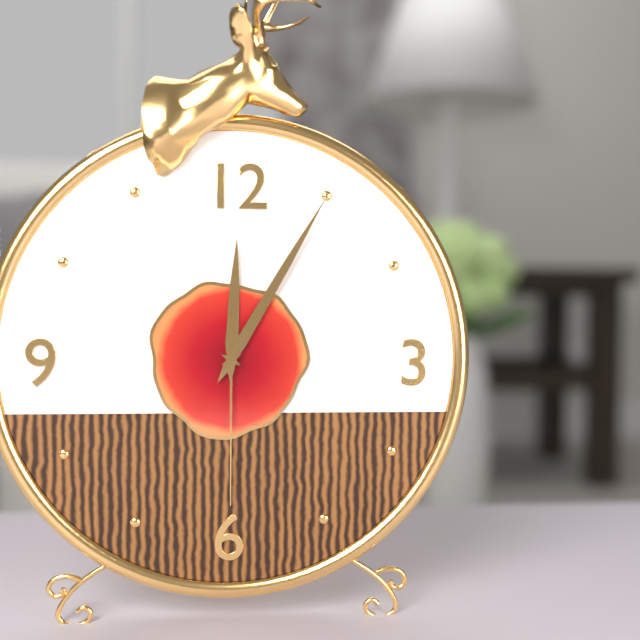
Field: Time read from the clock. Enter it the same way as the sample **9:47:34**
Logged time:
**12:05:30**
